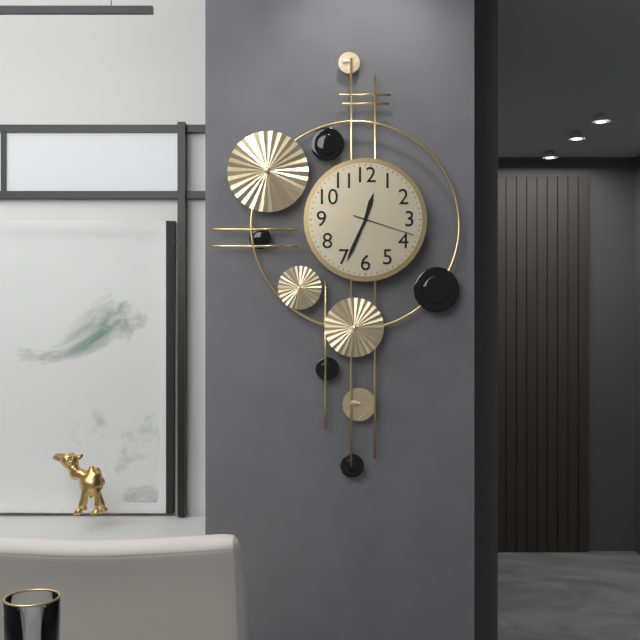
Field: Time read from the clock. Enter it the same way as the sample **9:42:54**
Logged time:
**12:34:18**
